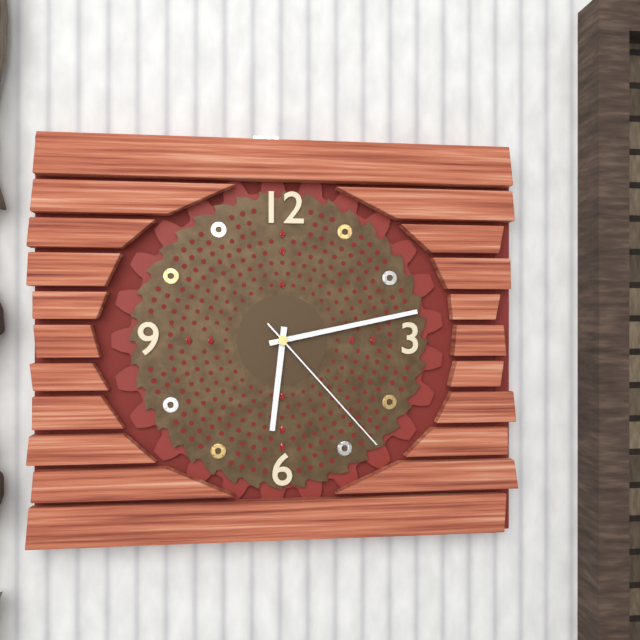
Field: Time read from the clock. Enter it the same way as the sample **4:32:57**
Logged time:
**6:13:23**
